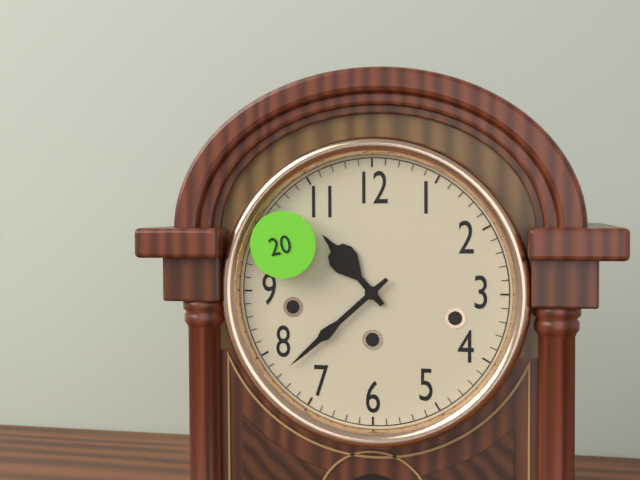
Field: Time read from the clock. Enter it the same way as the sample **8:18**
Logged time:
**10:38**
